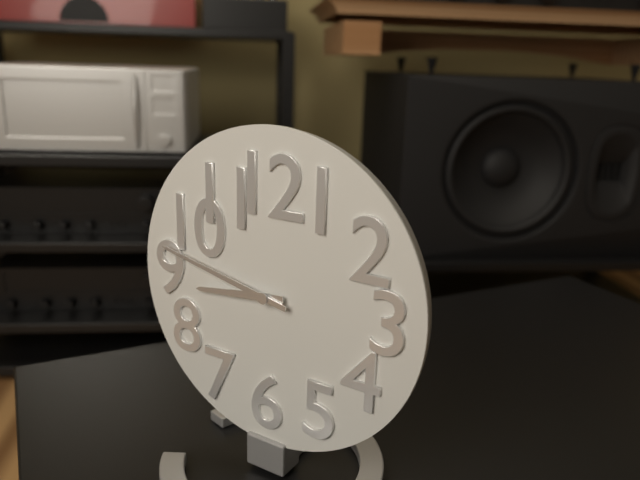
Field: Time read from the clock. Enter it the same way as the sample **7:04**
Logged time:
**8:47**
